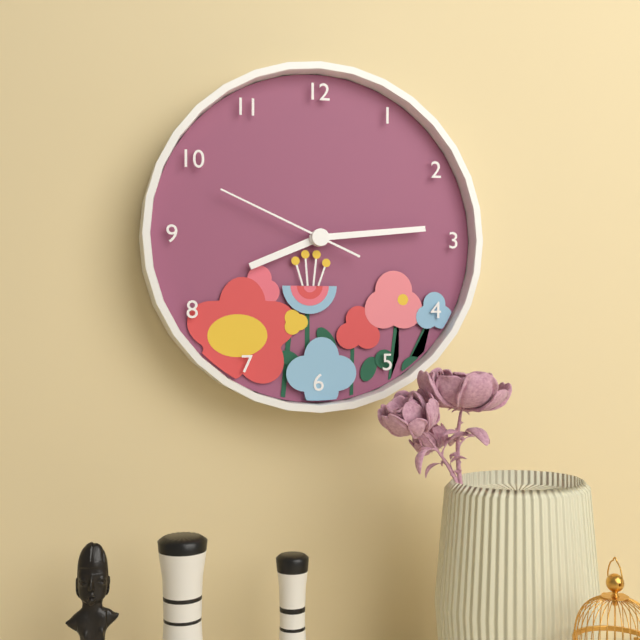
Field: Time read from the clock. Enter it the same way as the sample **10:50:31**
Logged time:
**8:14:49**
